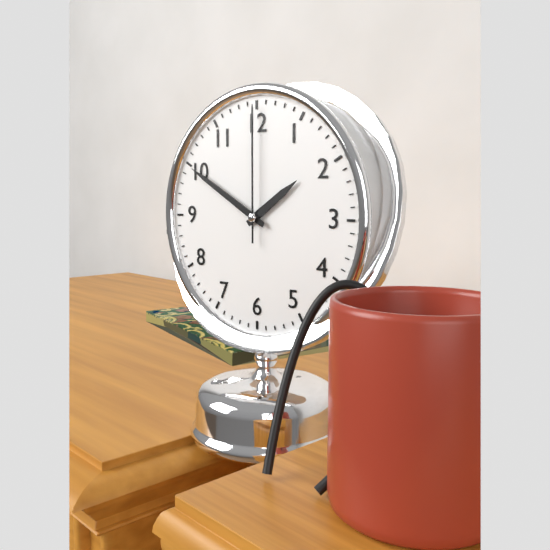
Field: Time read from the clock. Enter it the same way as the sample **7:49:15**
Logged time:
**1:50:00**
